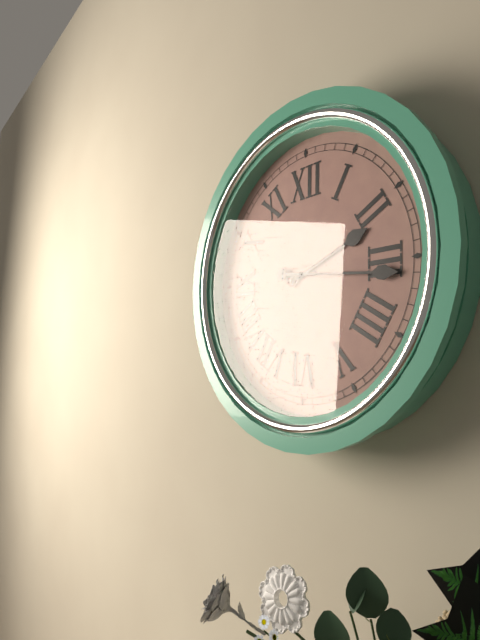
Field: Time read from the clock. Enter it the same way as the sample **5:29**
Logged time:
**2:16**
